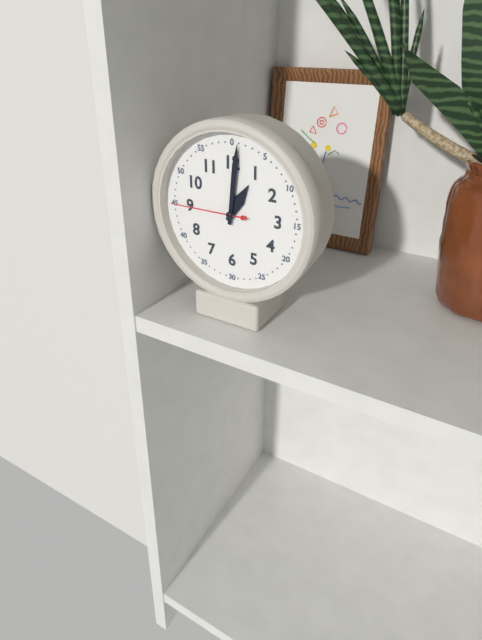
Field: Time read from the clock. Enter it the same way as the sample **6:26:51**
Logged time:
**1:01:45**
